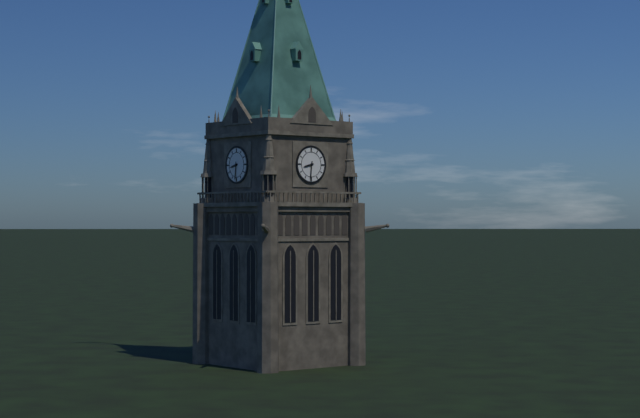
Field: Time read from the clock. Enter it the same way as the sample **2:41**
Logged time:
**8:31**
